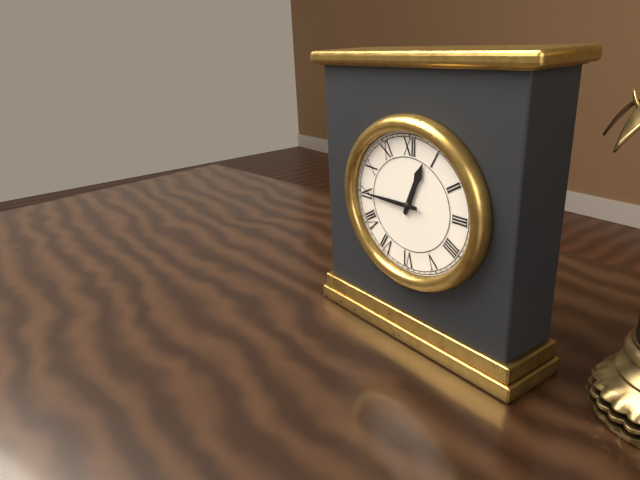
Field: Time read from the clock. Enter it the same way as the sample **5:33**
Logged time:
**12:45**
